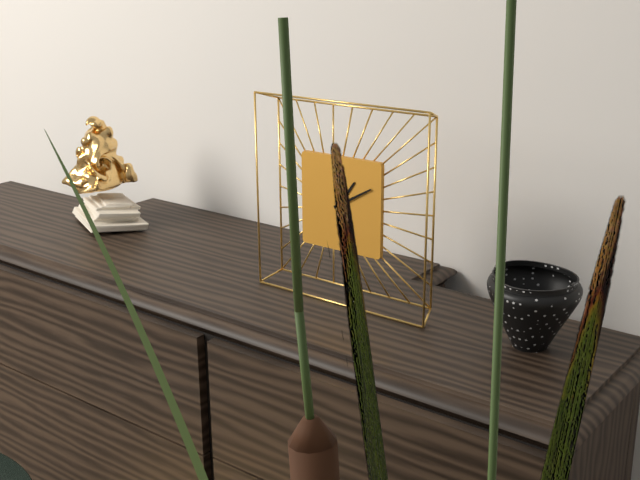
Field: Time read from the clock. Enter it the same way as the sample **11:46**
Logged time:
**1:10**
